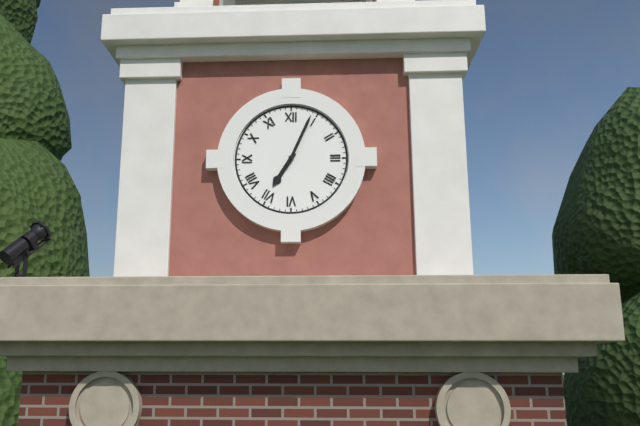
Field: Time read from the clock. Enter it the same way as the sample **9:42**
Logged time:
**7:04**
